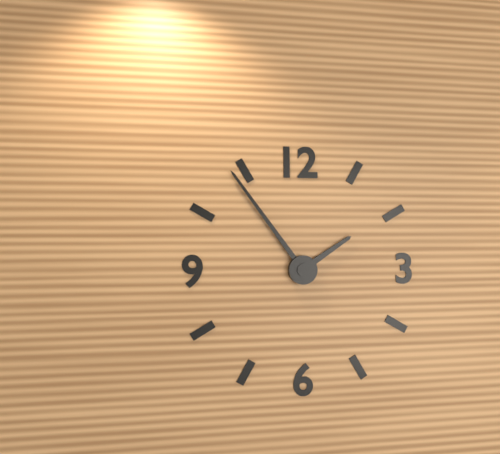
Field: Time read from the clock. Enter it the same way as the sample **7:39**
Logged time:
**1:54**
